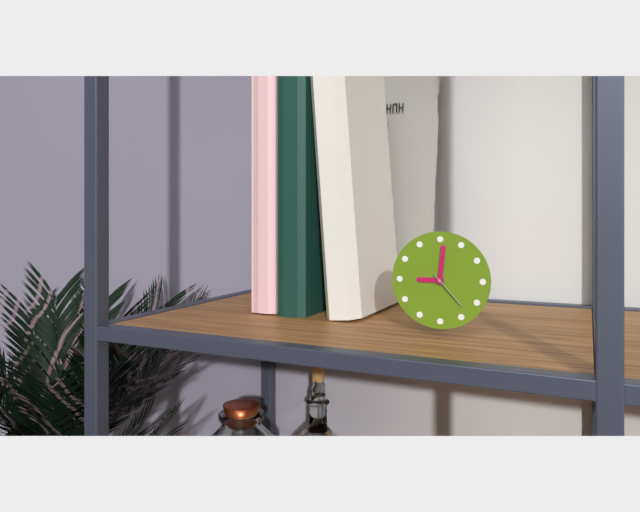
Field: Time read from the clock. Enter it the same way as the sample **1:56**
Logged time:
**9:01**
